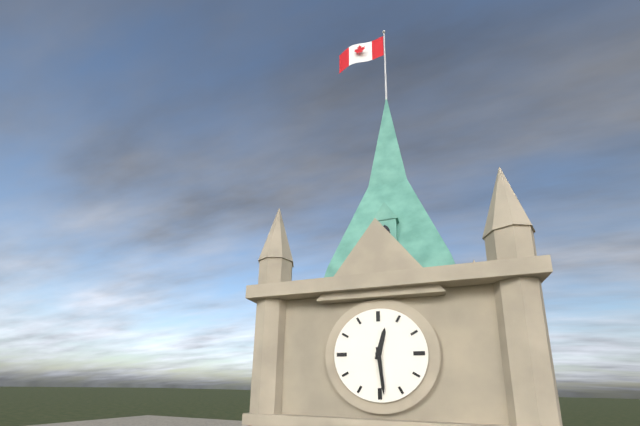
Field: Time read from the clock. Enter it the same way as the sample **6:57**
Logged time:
**12:29**
